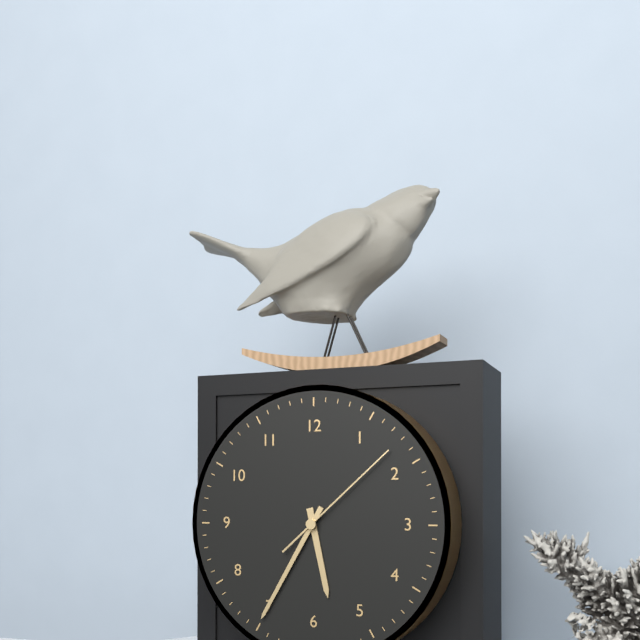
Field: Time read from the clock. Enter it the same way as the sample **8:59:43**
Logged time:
**5:35:08**
